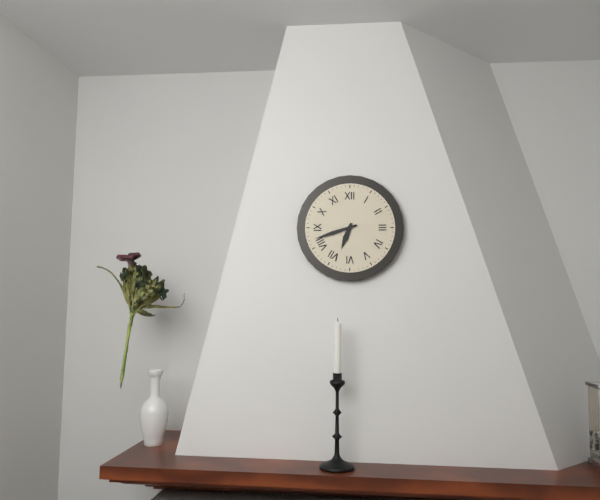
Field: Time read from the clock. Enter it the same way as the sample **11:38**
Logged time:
**6:42**
